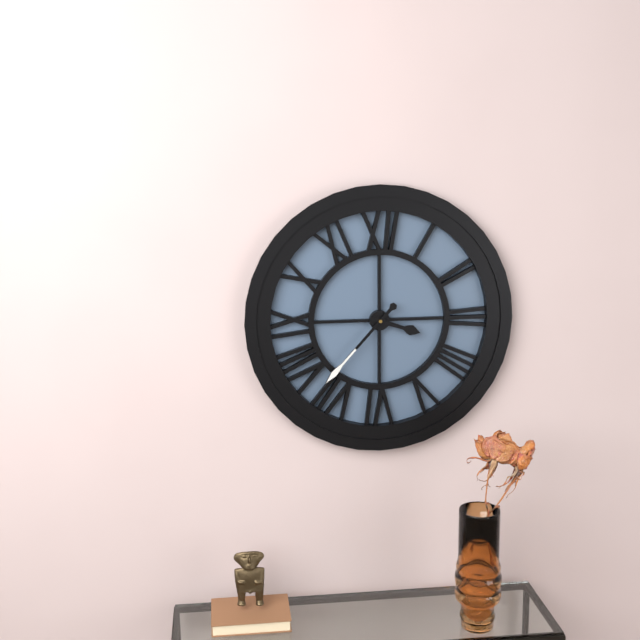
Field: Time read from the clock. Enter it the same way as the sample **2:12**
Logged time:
**3:37**
